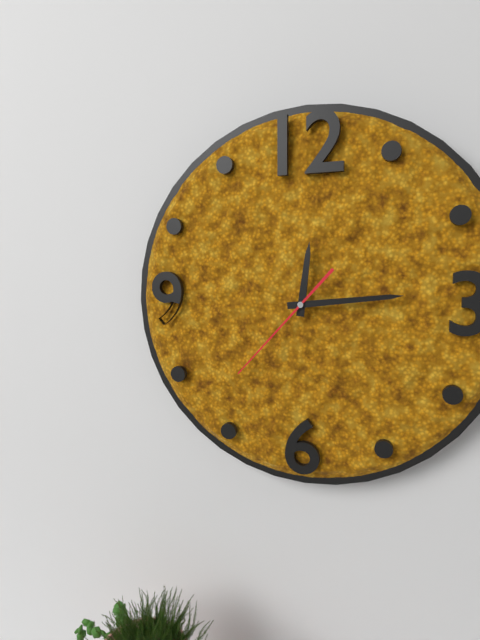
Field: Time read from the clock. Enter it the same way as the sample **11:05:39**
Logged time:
**12:14:37**
